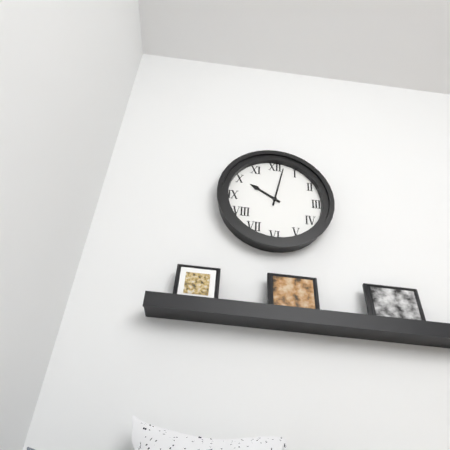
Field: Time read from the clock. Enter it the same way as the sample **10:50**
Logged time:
**10:02**
